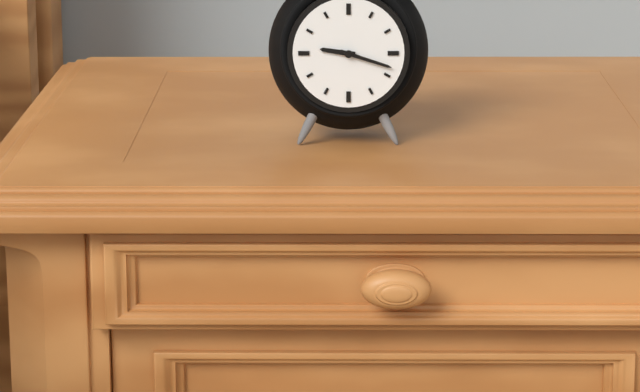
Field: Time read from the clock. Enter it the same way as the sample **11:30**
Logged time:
**9:18**
